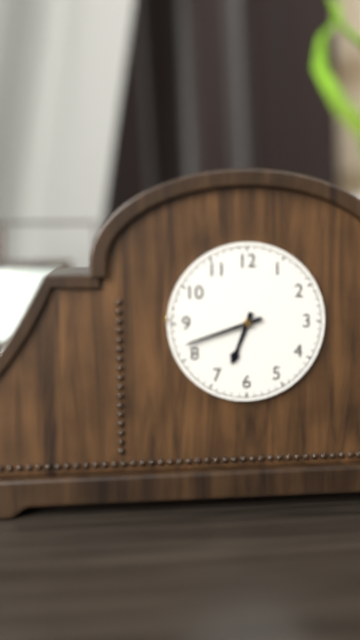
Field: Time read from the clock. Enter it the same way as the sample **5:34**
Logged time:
**6:42**
